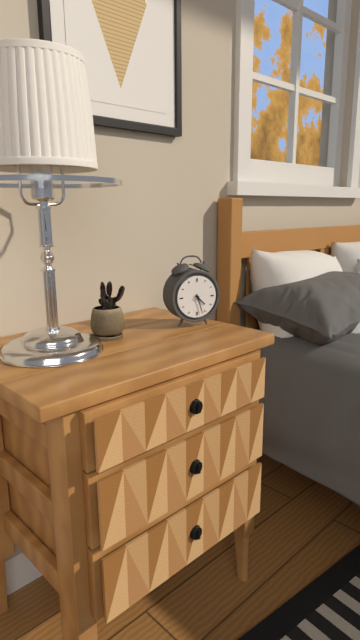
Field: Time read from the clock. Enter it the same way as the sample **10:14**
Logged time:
**4:27**
